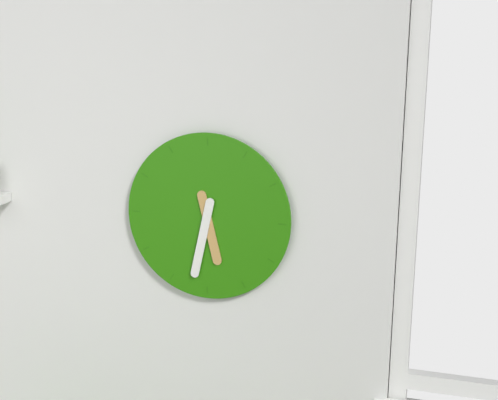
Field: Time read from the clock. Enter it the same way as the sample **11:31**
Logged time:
**5:32**
